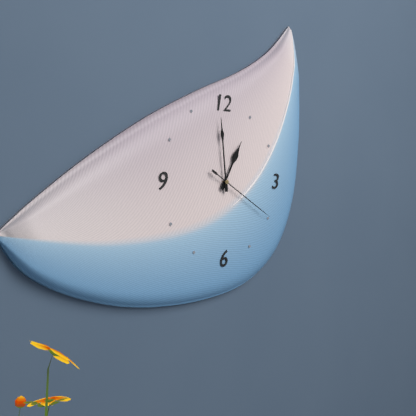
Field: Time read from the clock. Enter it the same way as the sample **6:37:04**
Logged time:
**12:59:20**
